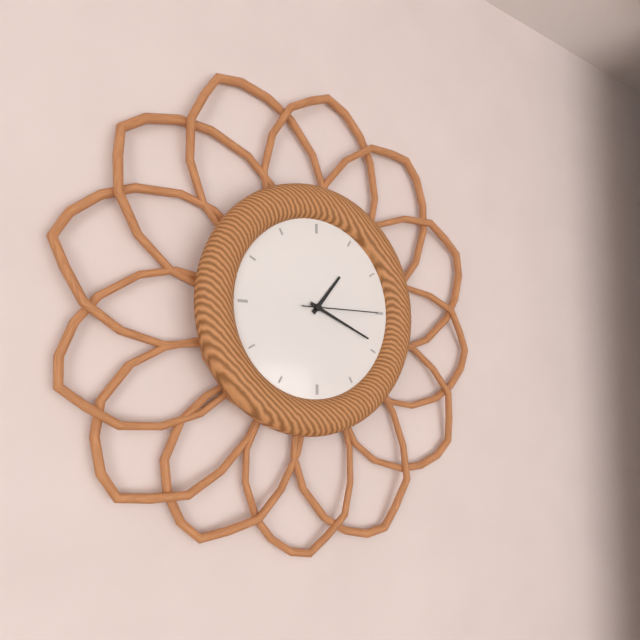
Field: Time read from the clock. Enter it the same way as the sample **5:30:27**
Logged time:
**1:19:15**
